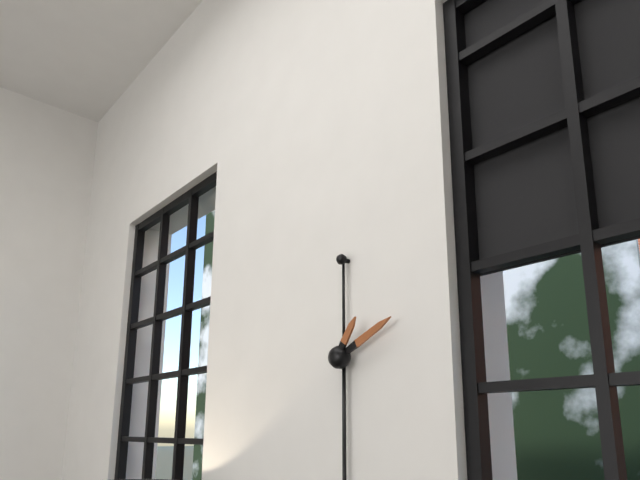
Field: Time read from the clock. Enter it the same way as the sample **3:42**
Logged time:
**1:11**
